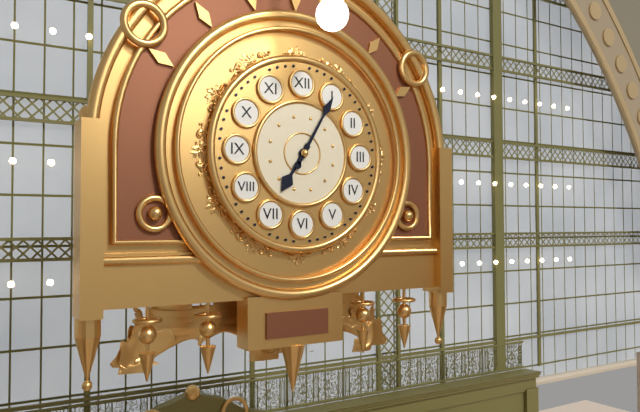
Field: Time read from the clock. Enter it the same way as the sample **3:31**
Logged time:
**7:05**
